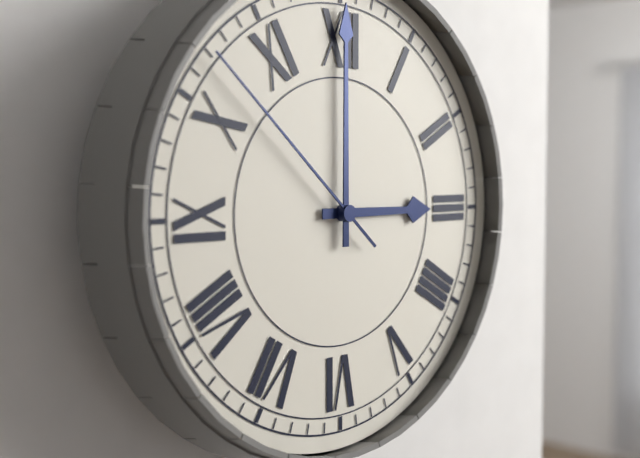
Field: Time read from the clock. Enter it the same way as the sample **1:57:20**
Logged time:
**3:00:52**
